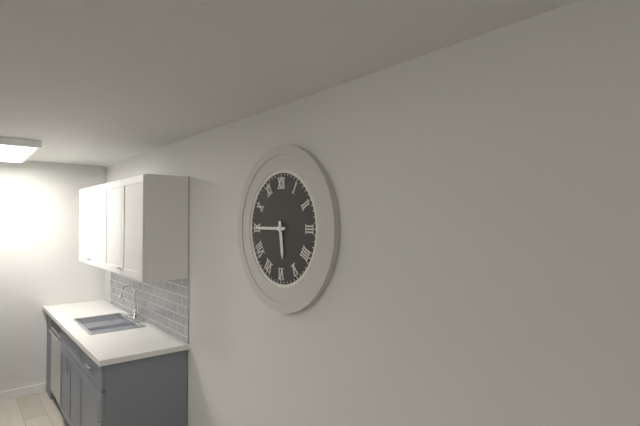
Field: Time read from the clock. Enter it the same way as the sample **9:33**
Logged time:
**5:45**
